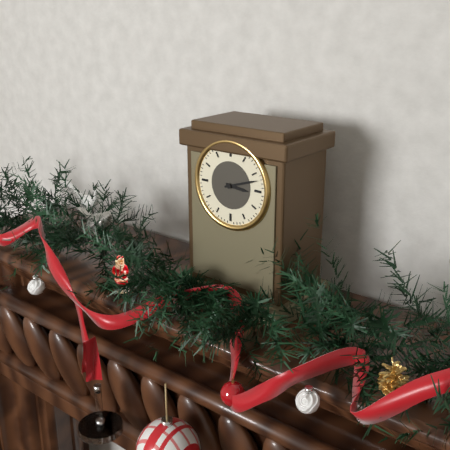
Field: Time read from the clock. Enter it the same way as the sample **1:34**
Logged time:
**3:12**
